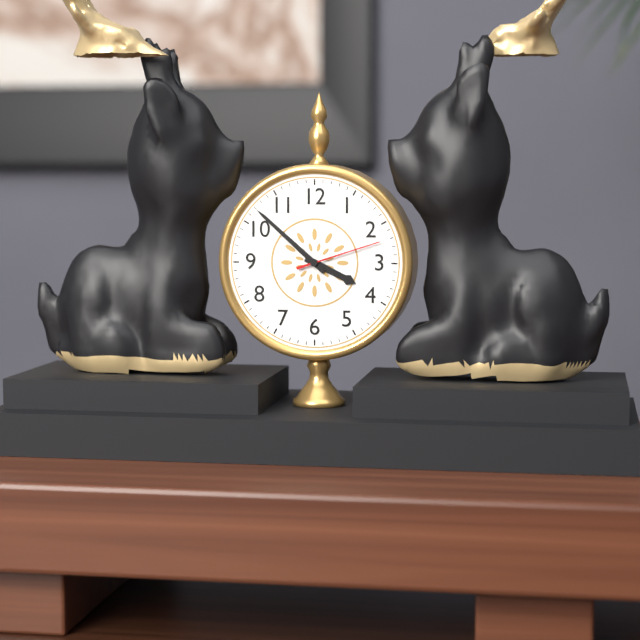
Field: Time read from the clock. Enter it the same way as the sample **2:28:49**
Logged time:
**3:52:12**
